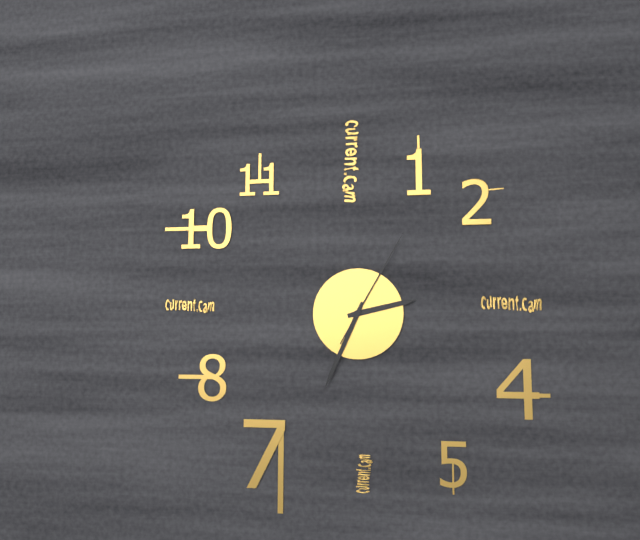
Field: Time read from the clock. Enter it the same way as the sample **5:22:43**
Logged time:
**2:34:05**
